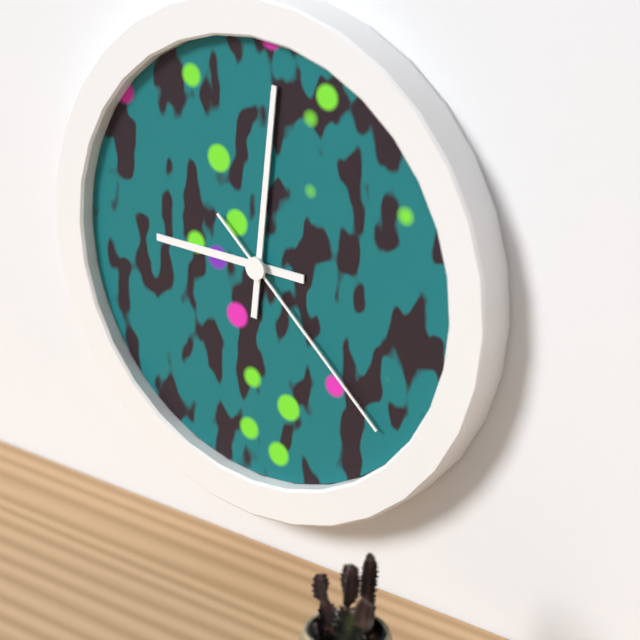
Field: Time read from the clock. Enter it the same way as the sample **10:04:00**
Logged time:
**9:01:22**
